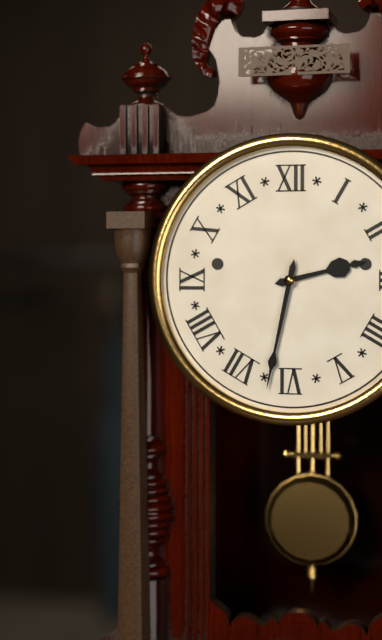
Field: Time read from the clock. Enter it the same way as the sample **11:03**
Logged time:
**2:32**
